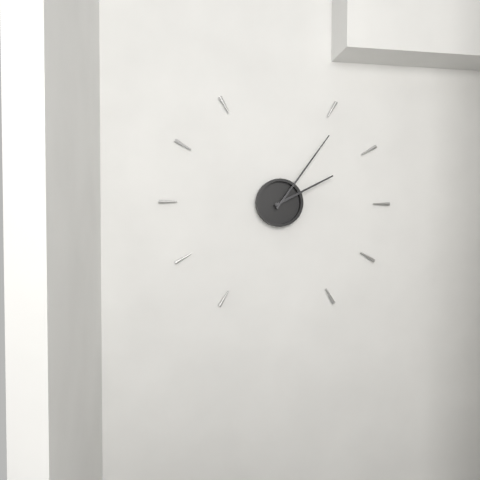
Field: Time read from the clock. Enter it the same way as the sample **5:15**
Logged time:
**2:06**
